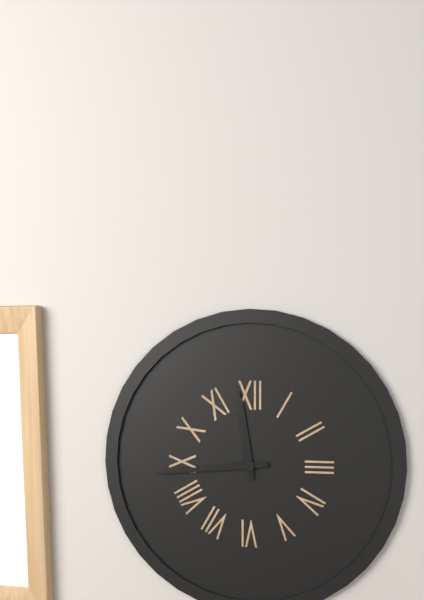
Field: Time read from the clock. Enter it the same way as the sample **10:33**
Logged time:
**11:44**
